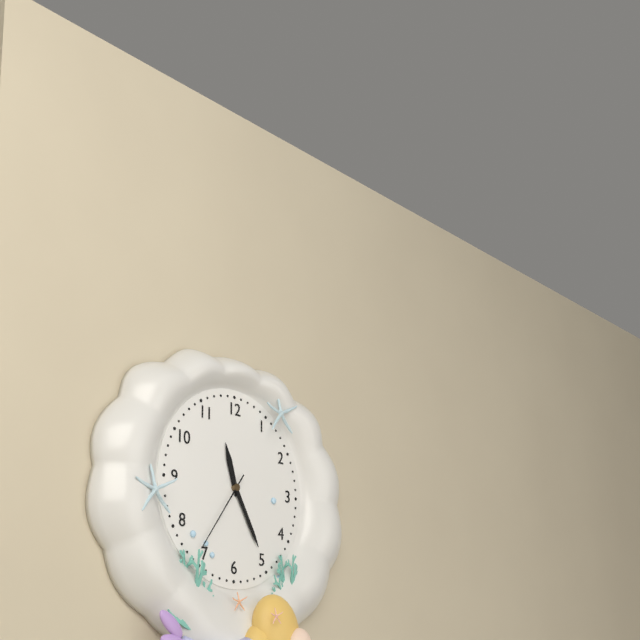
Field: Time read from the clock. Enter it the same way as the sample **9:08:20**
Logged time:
**11:25:36**
